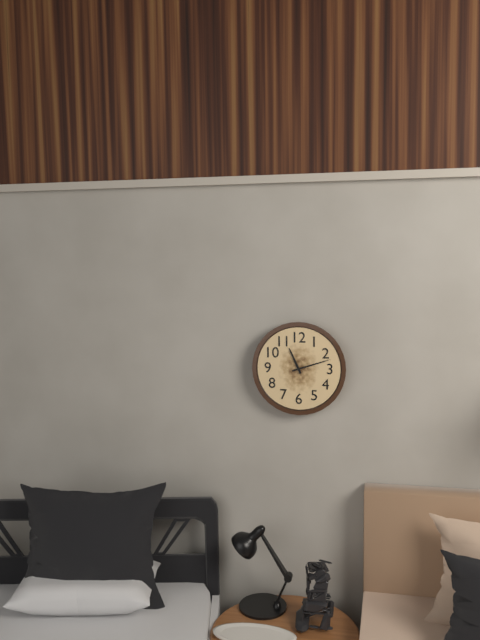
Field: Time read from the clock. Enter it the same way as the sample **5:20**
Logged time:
**11:12**
